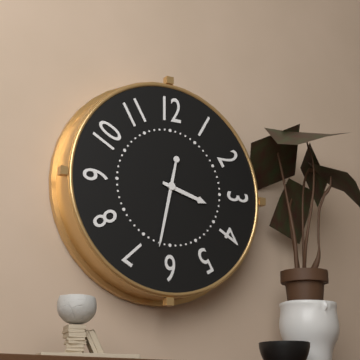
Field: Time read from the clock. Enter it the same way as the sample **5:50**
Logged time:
**3:32**
